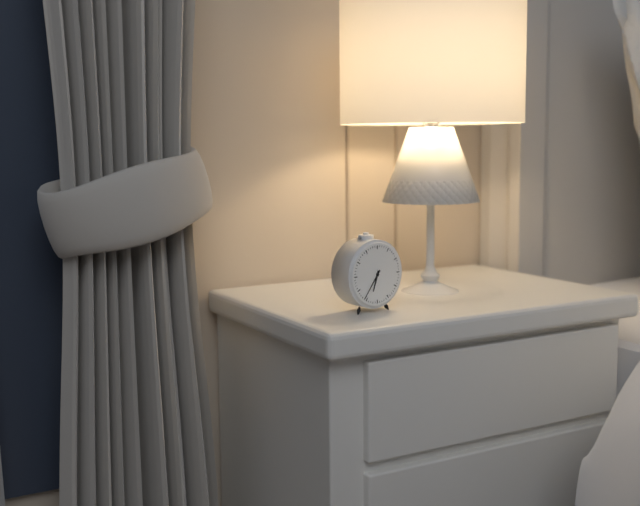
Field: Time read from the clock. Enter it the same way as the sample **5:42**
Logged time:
**6:36**
